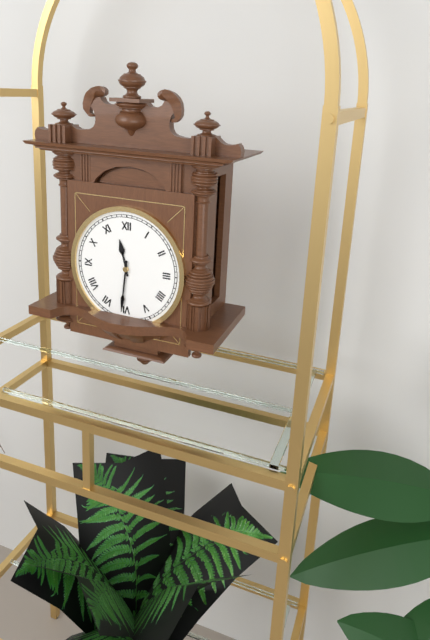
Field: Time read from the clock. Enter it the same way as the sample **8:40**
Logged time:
**11:31**
